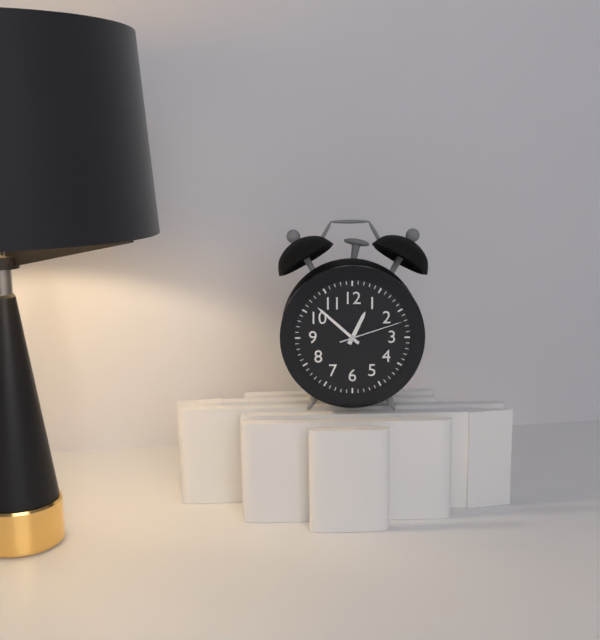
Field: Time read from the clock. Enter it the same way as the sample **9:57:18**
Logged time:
**12:52:12**
